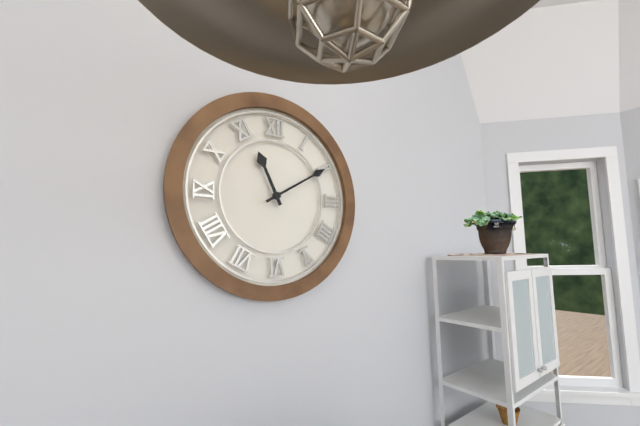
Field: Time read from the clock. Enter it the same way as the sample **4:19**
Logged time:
**11:10**
